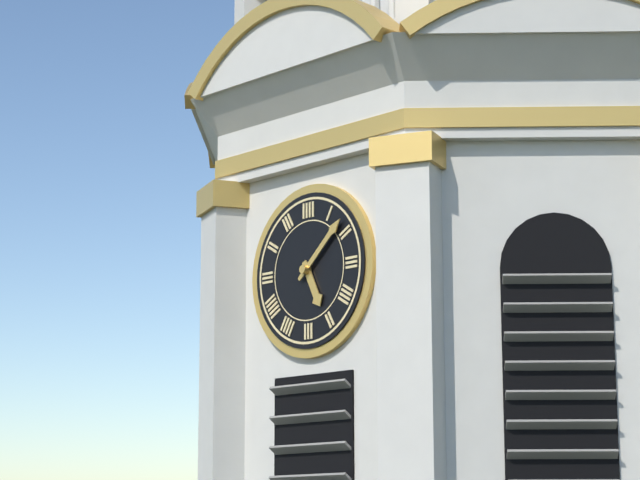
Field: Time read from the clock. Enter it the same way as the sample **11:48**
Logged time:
**5:08**
